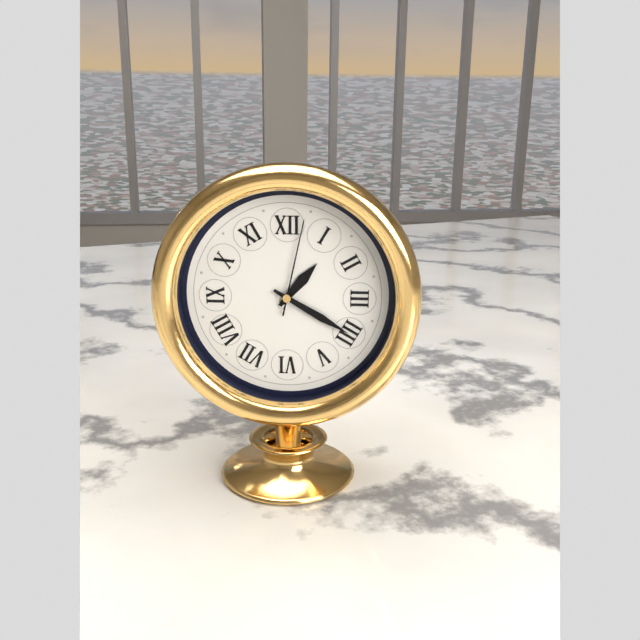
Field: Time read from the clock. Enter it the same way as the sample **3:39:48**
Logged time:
**1:20:02**
